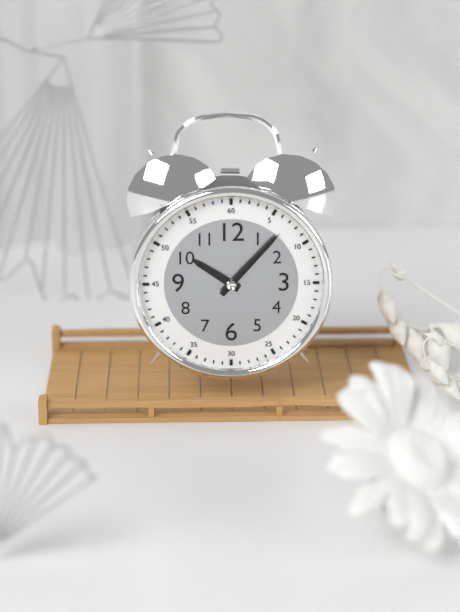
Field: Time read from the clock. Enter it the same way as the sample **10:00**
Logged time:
**10:07**
